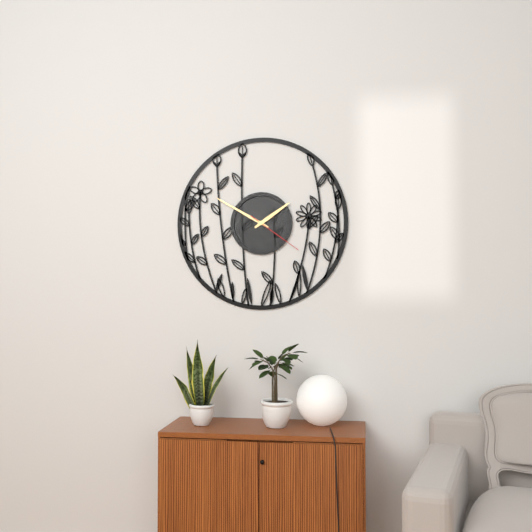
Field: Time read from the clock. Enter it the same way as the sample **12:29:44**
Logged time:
**1:50:21**
